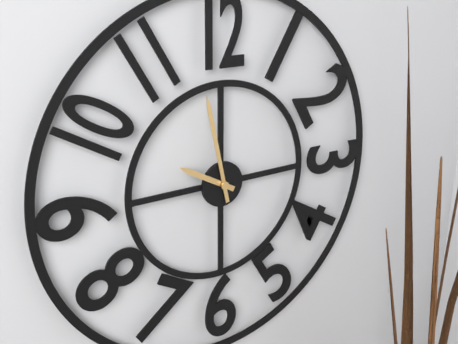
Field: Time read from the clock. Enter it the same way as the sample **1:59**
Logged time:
**9:58**
